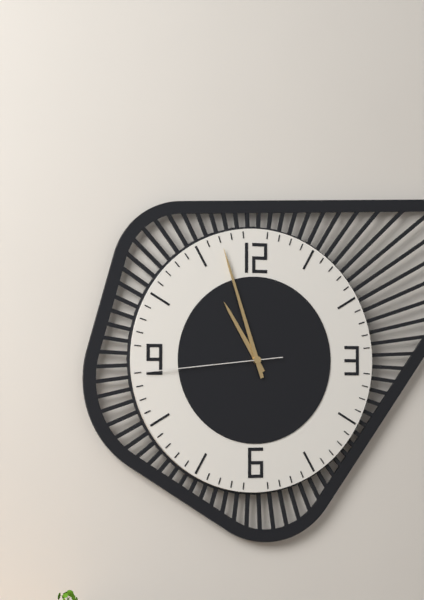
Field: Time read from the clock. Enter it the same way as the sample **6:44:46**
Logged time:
**10:57:44**
